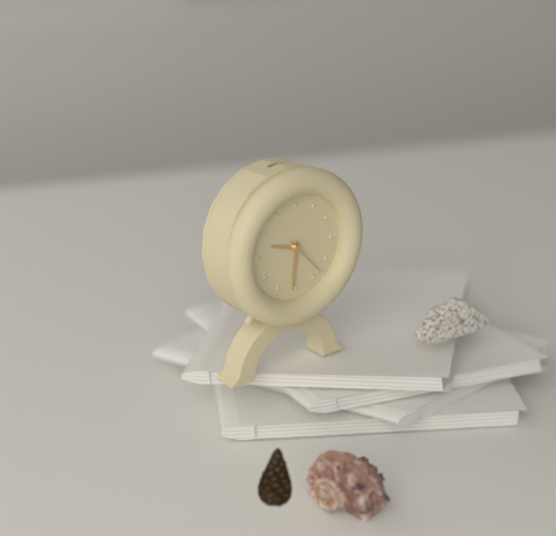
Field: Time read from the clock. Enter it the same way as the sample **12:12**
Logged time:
**9:31**
